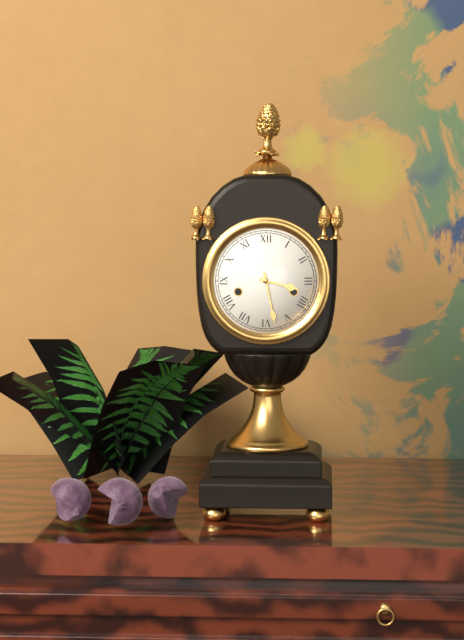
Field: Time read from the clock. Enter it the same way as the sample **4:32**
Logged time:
**3:28**
